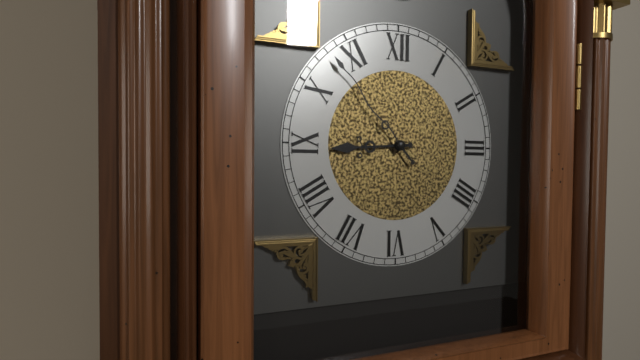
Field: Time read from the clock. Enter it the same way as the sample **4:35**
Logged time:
**8:53**
